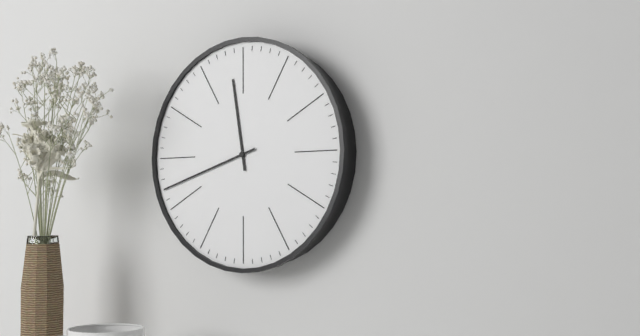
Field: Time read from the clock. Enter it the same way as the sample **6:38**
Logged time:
**11:42**
